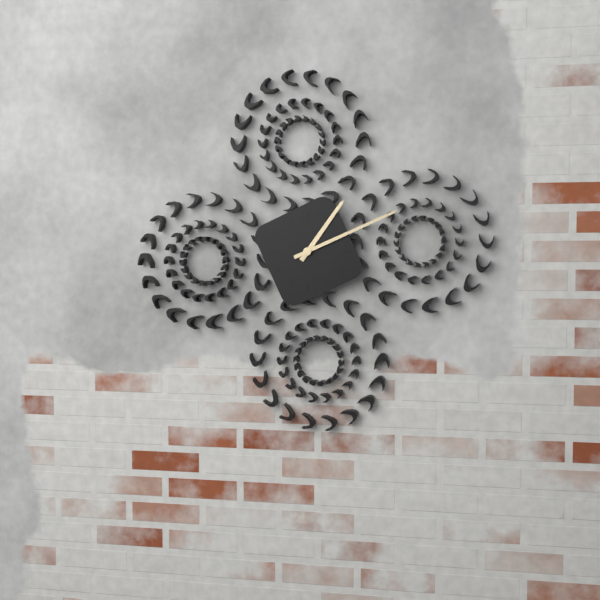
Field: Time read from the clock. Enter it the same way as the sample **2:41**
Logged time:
**1:11**
